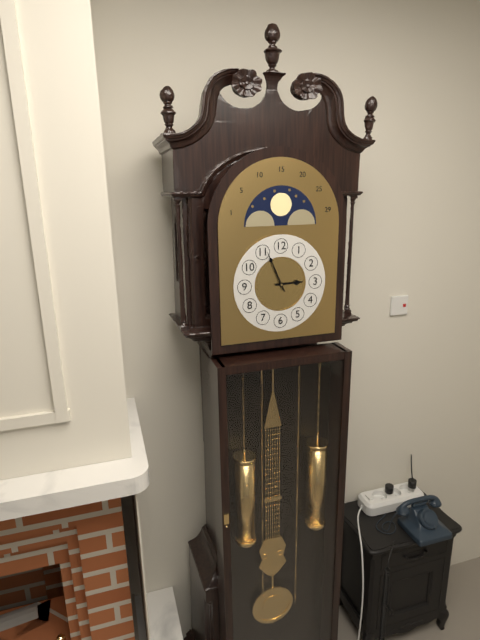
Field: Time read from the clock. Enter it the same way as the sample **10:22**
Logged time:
**2:56**
